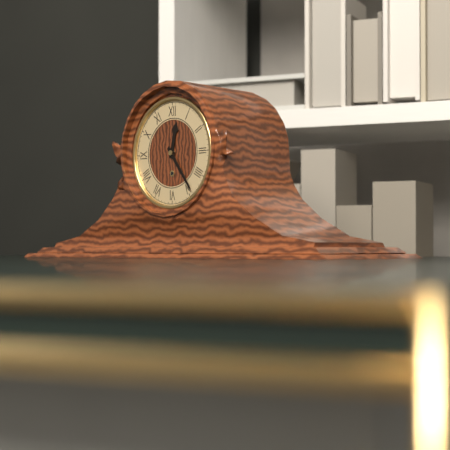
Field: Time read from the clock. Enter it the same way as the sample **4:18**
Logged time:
**12:24**
